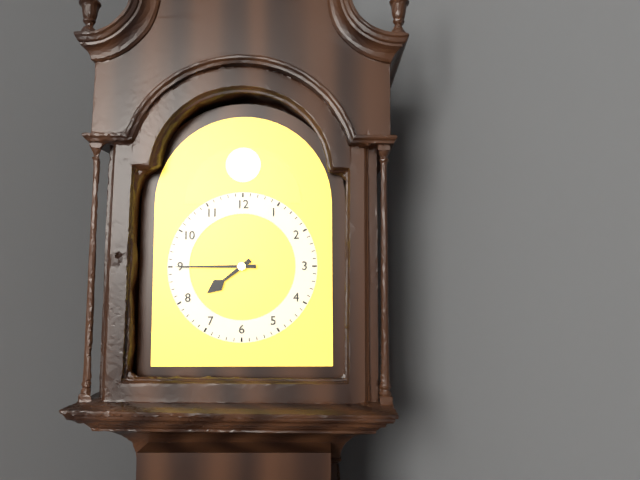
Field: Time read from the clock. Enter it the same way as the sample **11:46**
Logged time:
**7:45**
